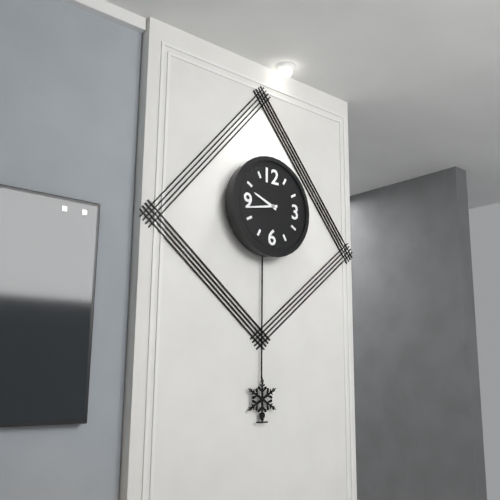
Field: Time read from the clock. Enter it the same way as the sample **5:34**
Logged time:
**9:43**
